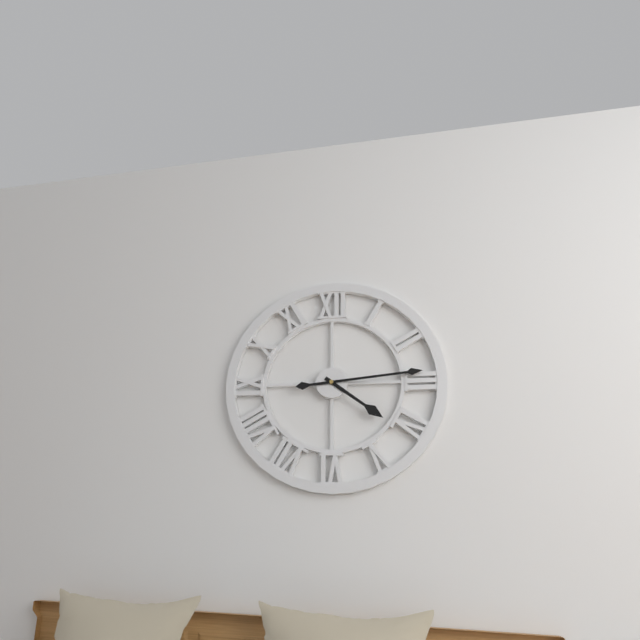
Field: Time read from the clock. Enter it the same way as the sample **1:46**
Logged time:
**4:14**
